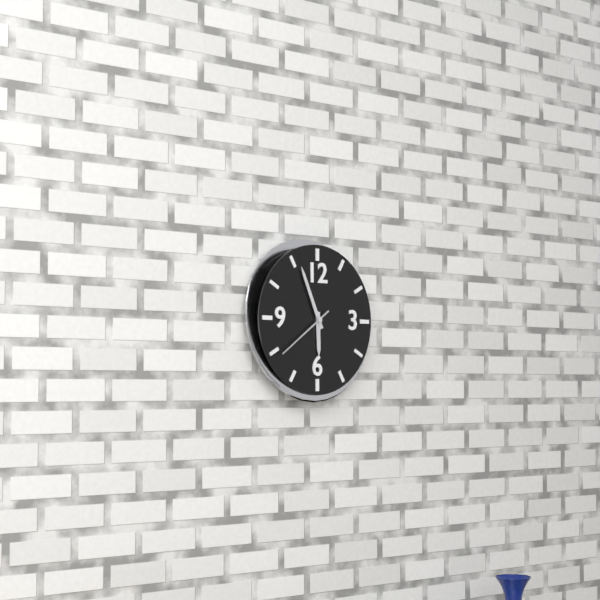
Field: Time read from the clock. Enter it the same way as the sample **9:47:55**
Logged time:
**5:56:39**
